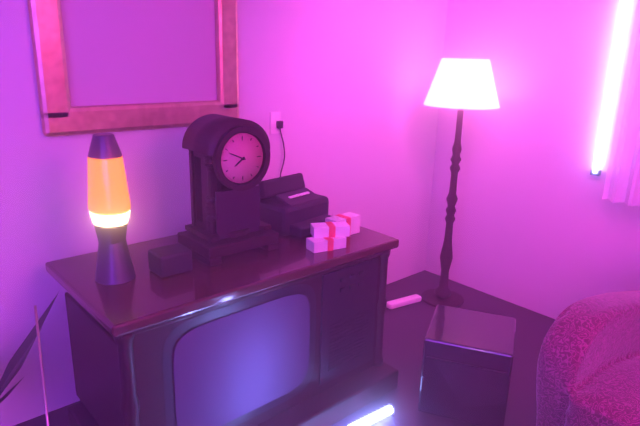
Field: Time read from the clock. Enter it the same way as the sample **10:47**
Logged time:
**7:49**
